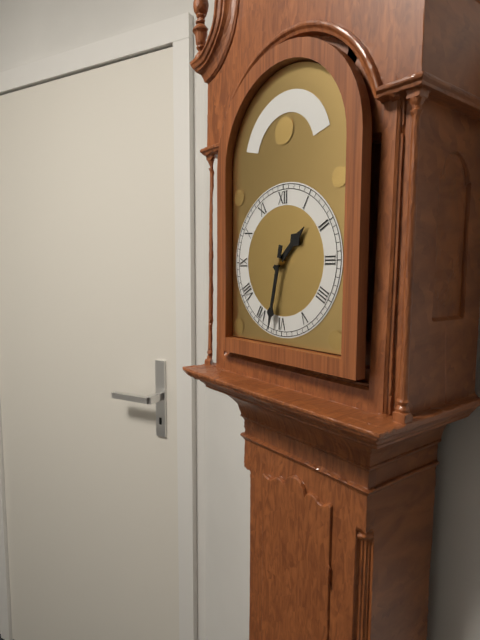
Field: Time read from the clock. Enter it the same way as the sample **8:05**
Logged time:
**1:32**
